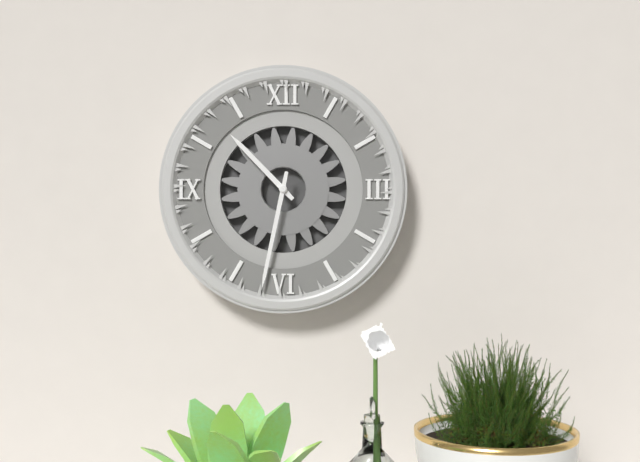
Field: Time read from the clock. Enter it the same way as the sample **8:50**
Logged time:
**10:32**
